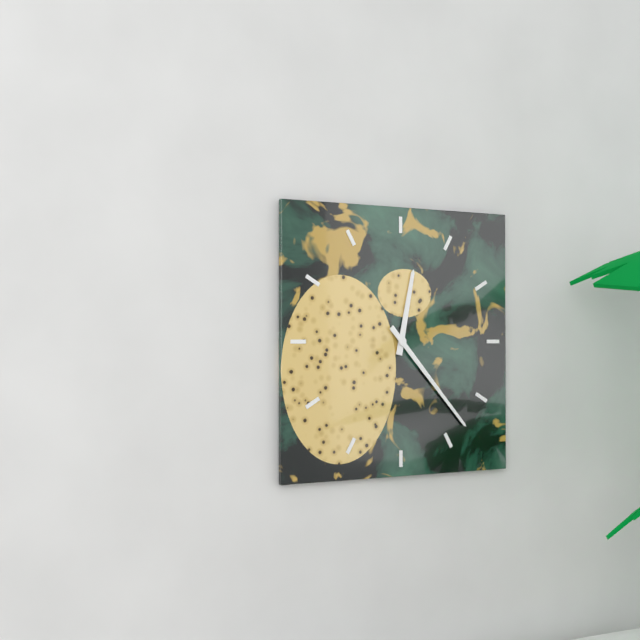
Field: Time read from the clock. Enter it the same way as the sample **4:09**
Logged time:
**12:23**
